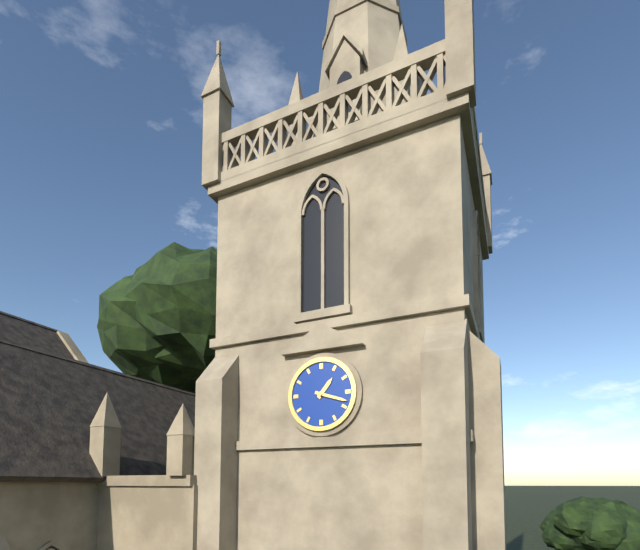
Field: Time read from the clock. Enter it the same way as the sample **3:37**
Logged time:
**1:18**
